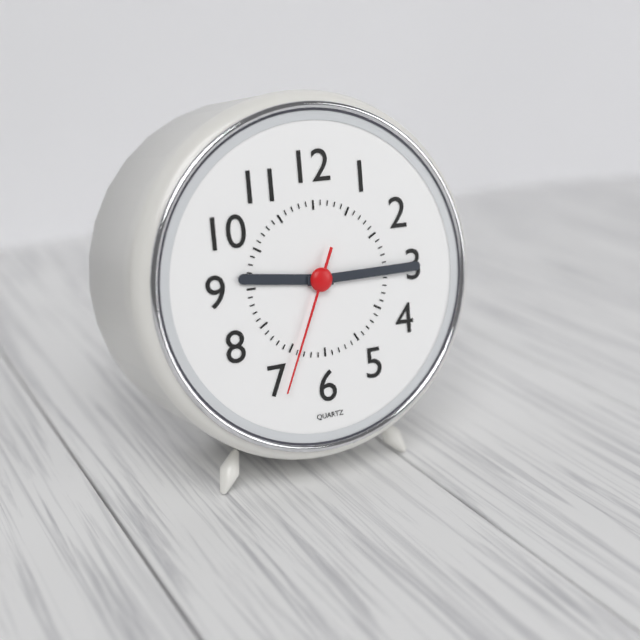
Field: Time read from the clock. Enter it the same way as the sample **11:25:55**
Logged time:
**9:15:34**
